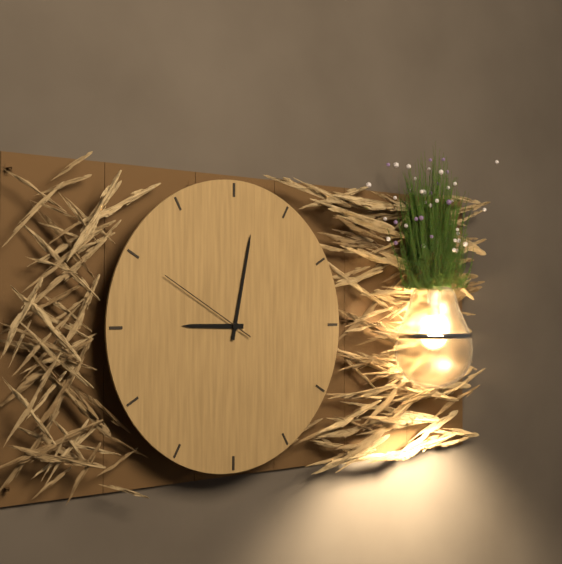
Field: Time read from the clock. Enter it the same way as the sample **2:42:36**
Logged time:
**9:02:50**
